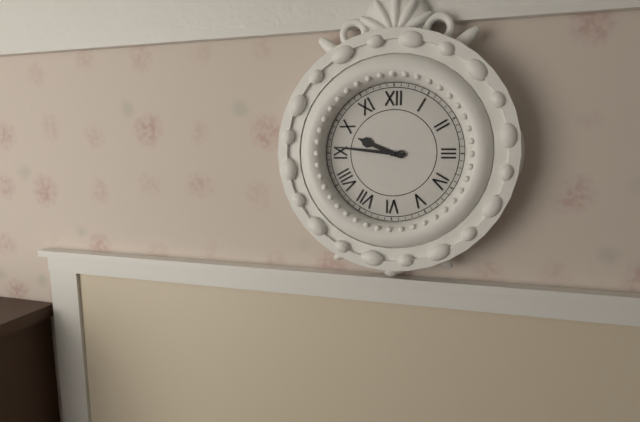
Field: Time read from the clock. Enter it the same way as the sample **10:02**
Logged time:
**9:46**
